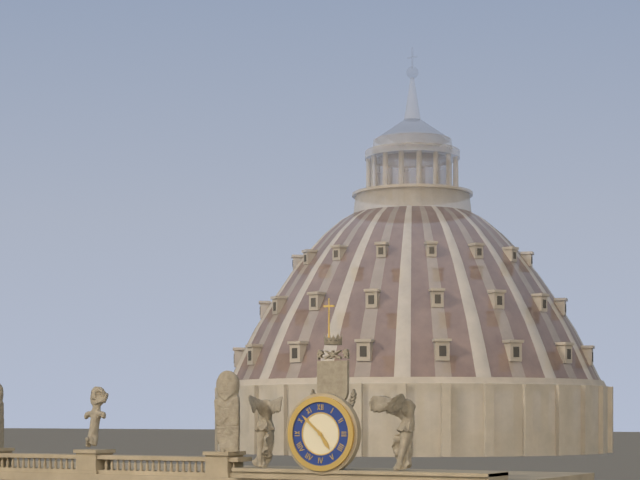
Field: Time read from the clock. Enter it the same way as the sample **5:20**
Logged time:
**4:52**
